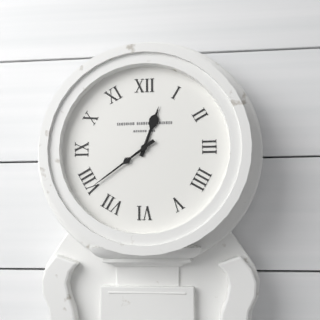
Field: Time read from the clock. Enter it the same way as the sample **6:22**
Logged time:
**12:39**
